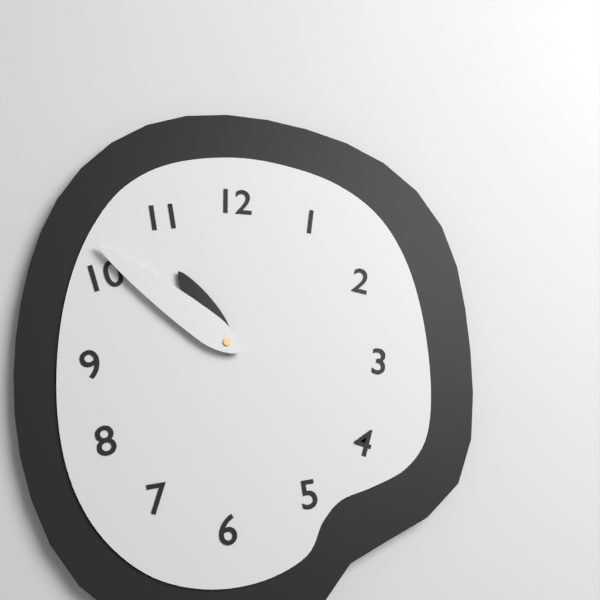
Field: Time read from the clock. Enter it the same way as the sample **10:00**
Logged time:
**10:51**
